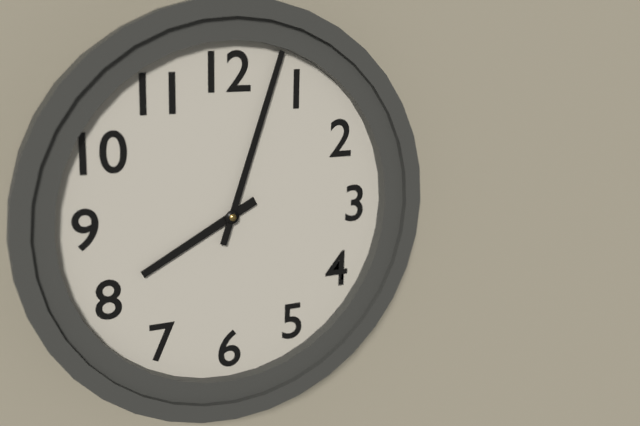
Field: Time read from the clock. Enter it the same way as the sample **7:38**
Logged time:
**8:03**
